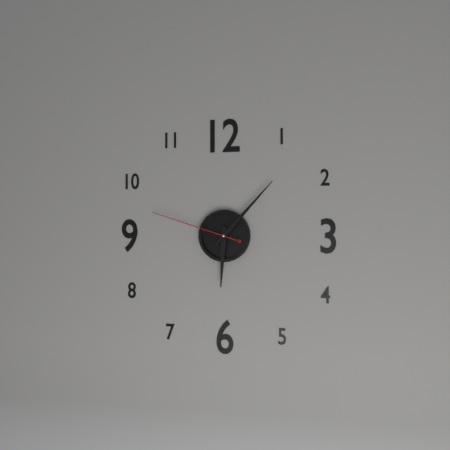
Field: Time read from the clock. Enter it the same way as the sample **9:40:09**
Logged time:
**6:07:48**
